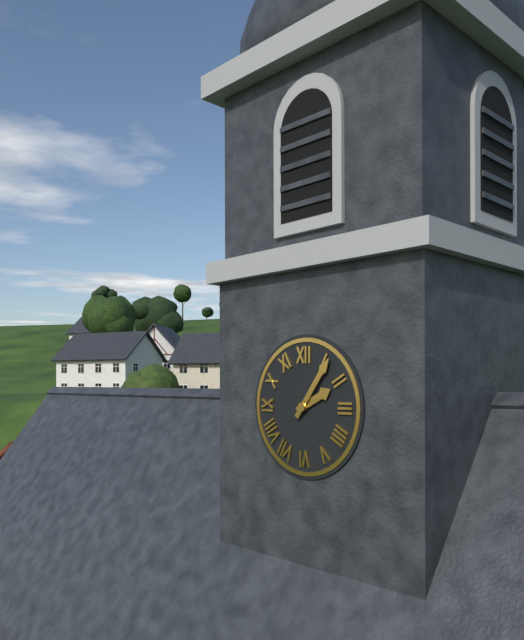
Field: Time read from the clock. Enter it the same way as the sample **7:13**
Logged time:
**2:06**
